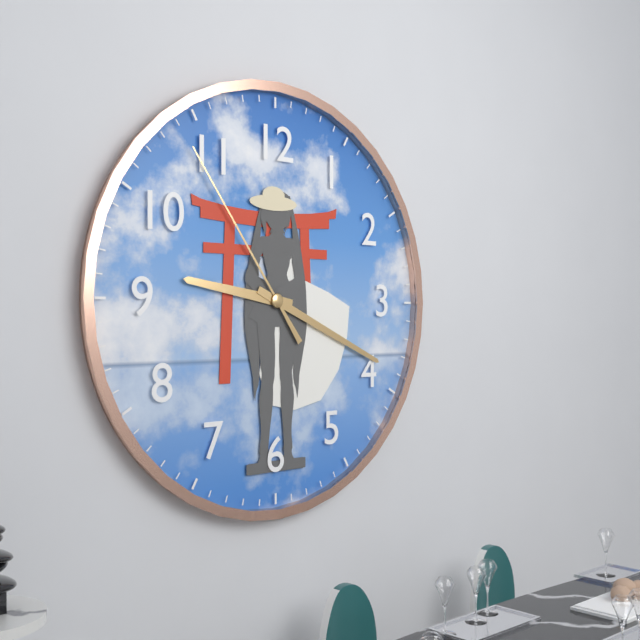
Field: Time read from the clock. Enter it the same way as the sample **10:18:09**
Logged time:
**9:19:54**
